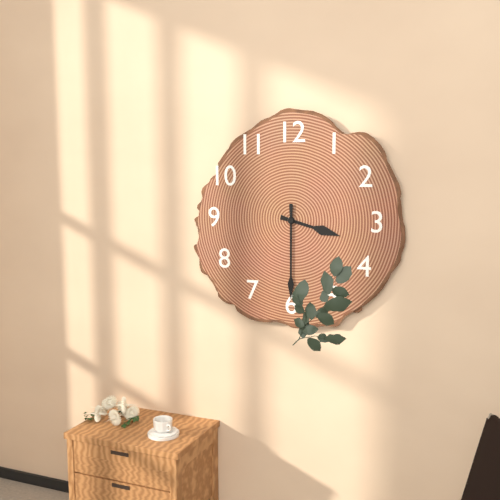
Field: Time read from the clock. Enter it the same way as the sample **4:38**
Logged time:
**3:30**
